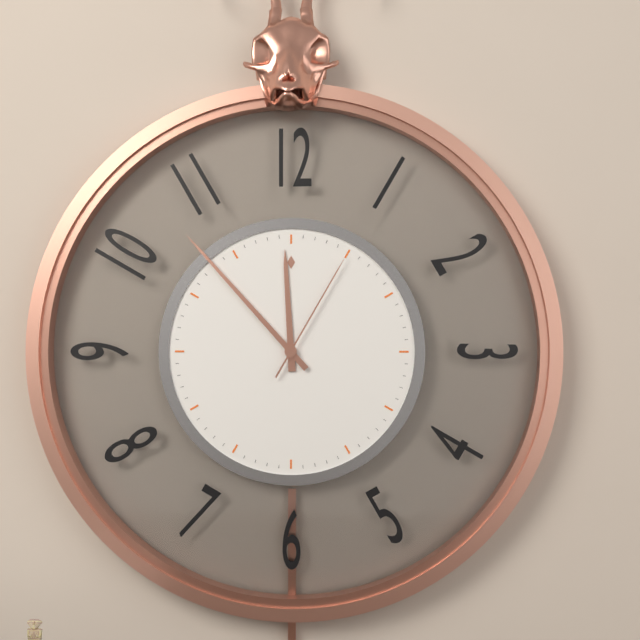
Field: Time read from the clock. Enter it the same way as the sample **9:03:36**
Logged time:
**11:53:05**
